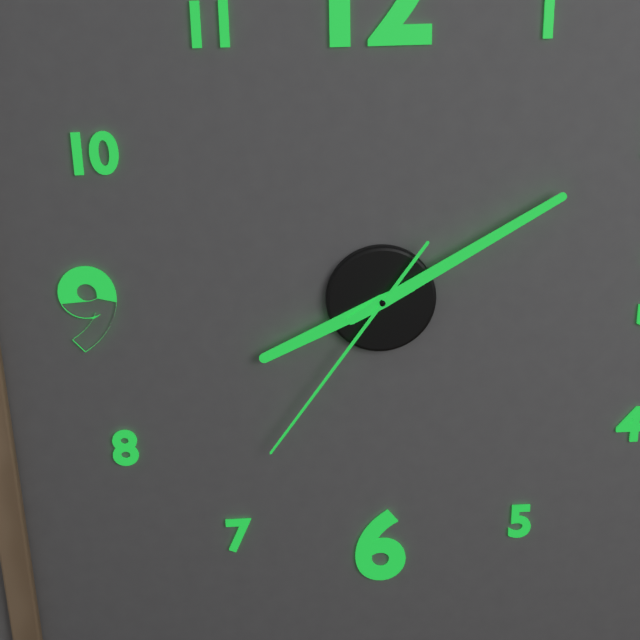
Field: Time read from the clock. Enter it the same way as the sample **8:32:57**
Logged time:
**8:10:36**
